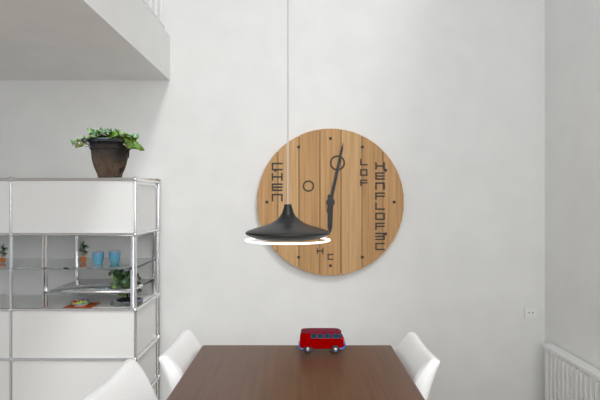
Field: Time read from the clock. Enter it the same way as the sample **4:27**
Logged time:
**6:02**
